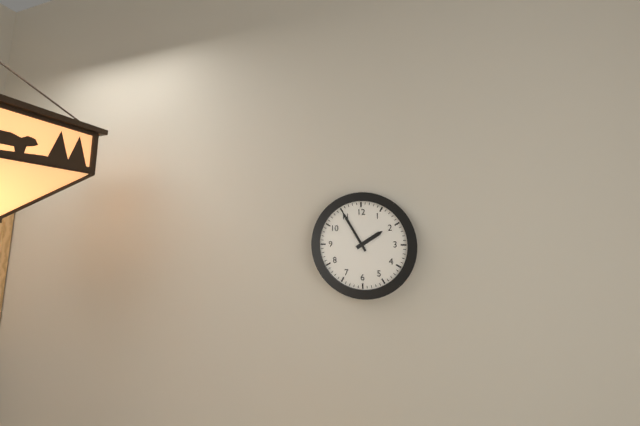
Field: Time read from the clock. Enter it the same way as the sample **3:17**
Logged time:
**1:55**
